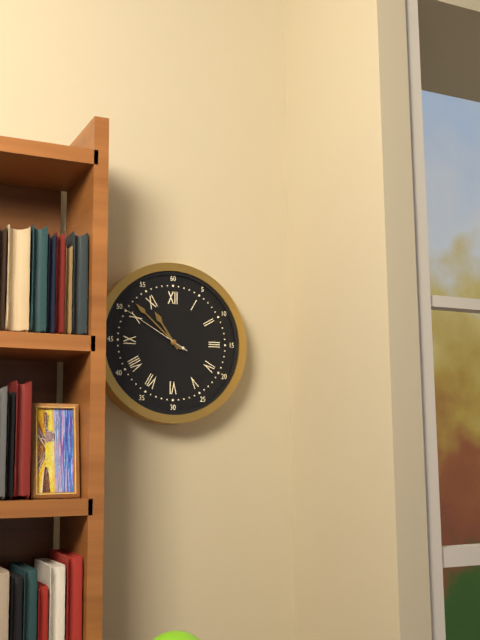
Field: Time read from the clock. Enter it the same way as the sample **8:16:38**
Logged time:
**10:52:50**
